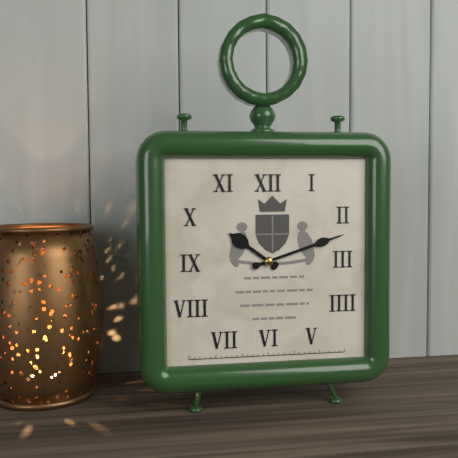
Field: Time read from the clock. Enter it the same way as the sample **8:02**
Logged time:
**10:12**
